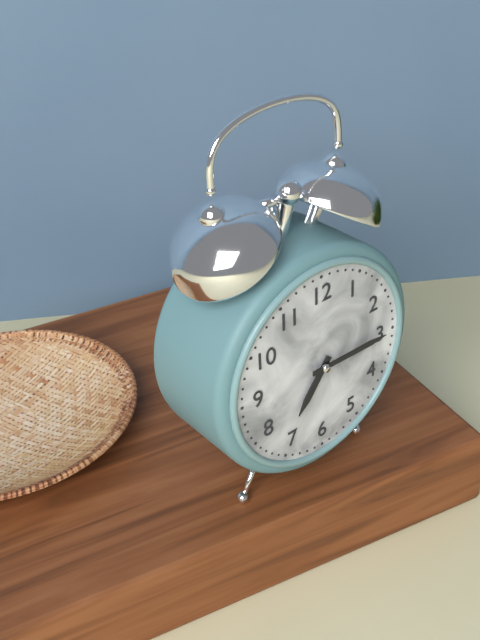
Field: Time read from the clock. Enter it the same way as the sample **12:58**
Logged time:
**7:15**
